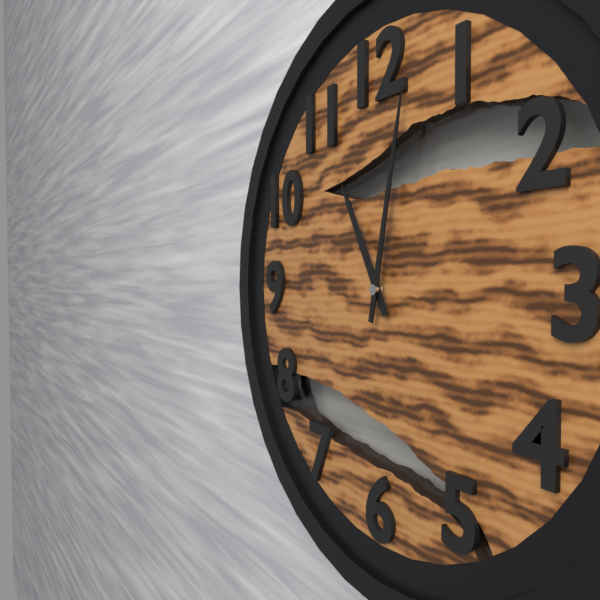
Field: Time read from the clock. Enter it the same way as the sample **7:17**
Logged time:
**11:02**
